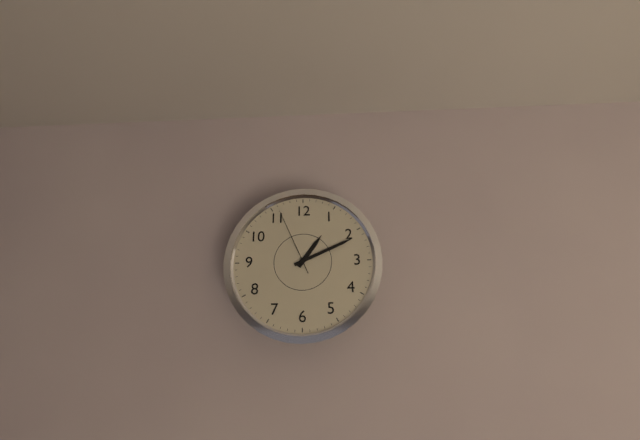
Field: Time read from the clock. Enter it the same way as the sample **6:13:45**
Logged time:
**1:11:56**
